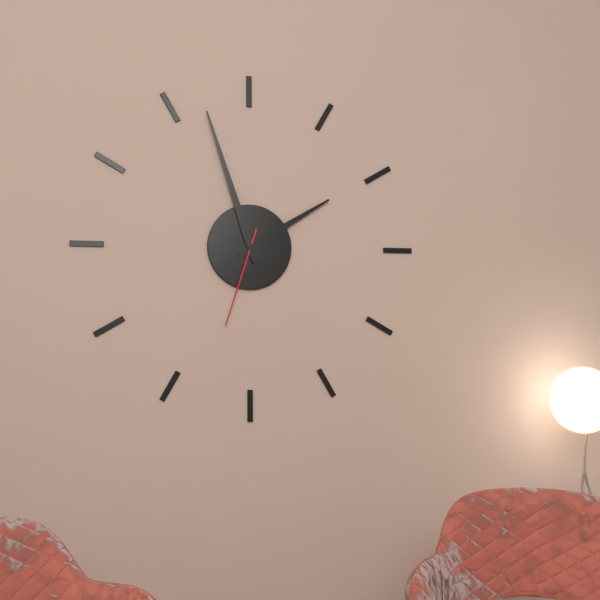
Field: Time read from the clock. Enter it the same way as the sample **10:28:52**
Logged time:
**1:57:33**
